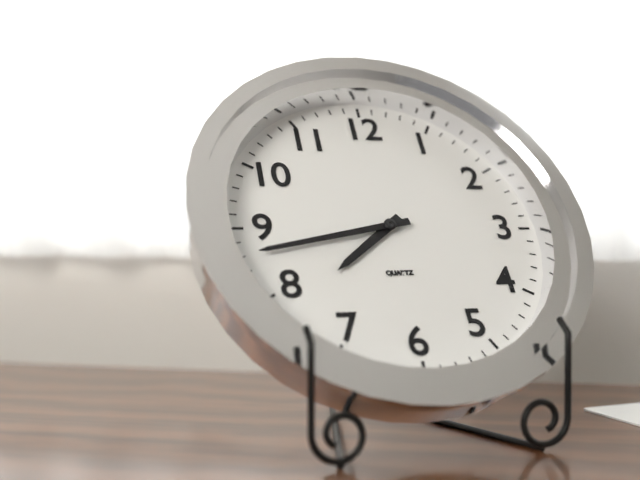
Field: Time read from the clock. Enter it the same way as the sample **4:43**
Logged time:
**7:43**
